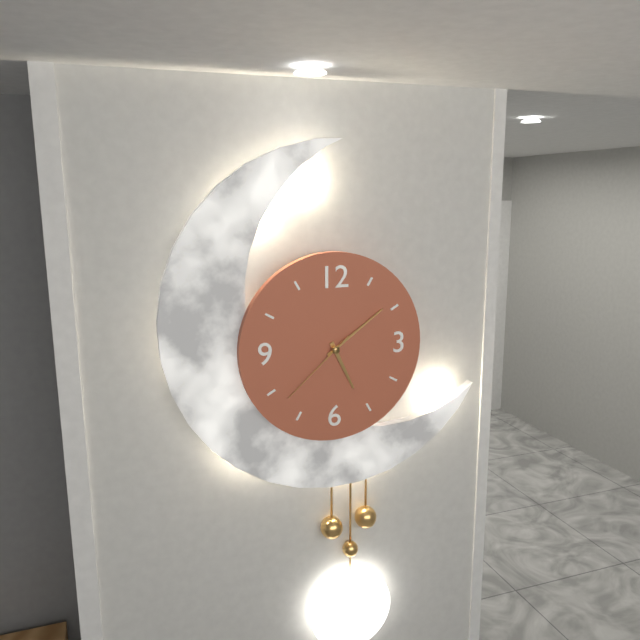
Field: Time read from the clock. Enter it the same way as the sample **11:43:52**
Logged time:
**5:09:38**
